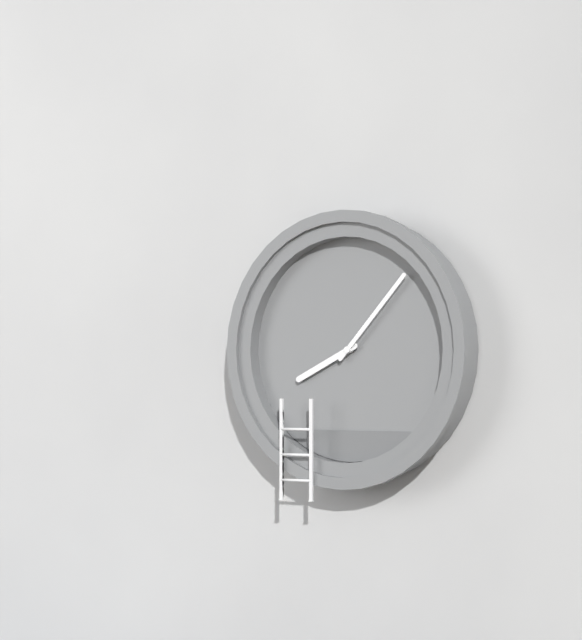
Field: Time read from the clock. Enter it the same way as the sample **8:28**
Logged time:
**8:07**
